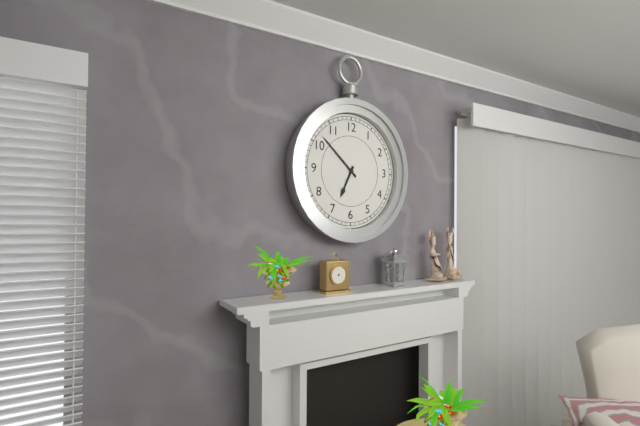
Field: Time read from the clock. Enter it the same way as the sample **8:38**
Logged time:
**6:52**
